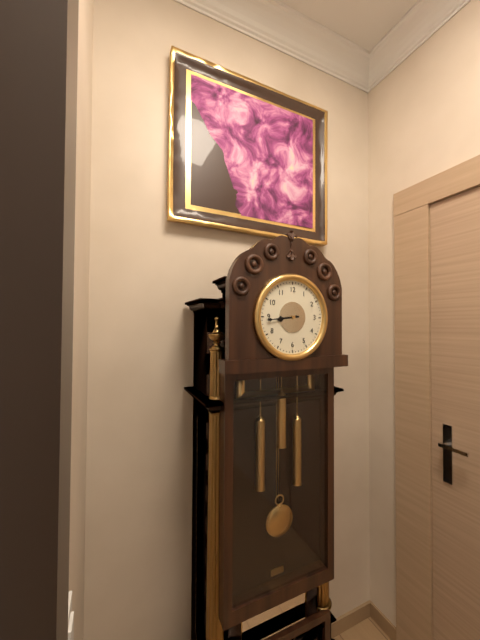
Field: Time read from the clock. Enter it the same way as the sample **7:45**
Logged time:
**8:44**
